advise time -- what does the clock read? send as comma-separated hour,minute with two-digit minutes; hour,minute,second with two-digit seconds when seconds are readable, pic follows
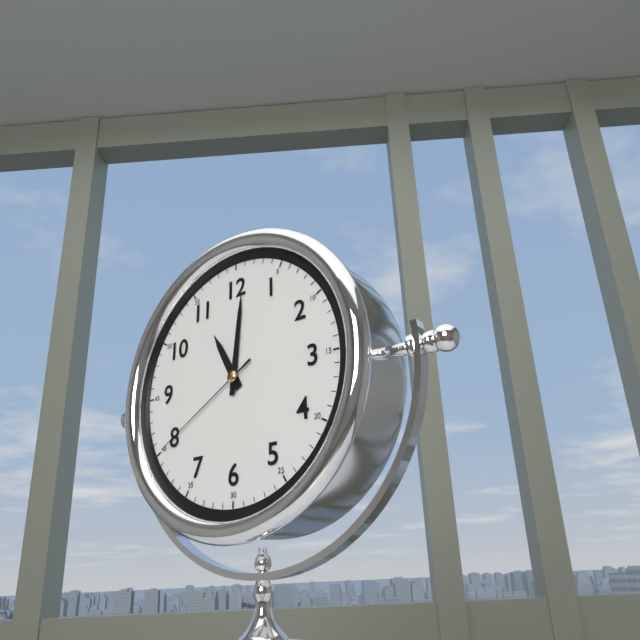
11,01,40
